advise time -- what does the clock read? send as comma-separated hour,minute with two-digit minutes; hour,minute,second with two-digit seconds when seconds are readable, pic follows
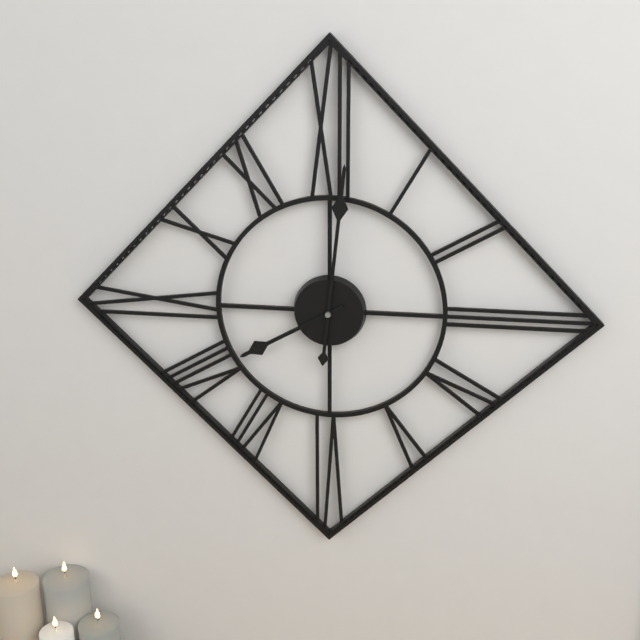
8,01
